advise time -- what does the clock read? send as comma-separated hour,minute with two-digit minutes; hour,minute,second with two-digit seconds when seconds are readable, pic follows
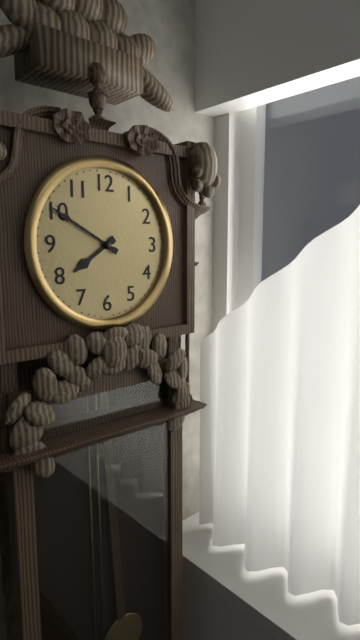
7,50
